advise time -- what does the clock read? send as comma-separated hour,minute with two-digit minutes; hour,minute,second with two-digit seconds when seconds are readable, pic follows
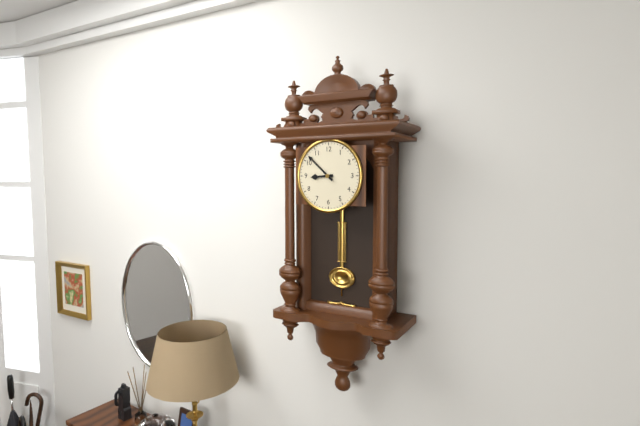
8,52
